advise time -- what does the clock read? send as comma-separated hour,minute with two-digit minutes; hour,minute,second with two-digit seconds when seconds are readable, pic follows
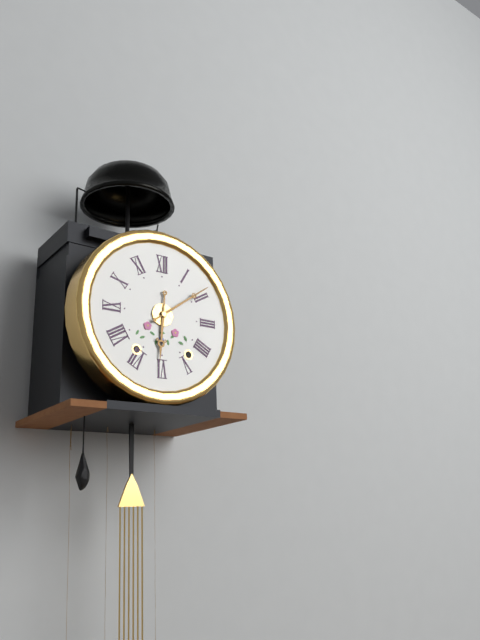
6,09
